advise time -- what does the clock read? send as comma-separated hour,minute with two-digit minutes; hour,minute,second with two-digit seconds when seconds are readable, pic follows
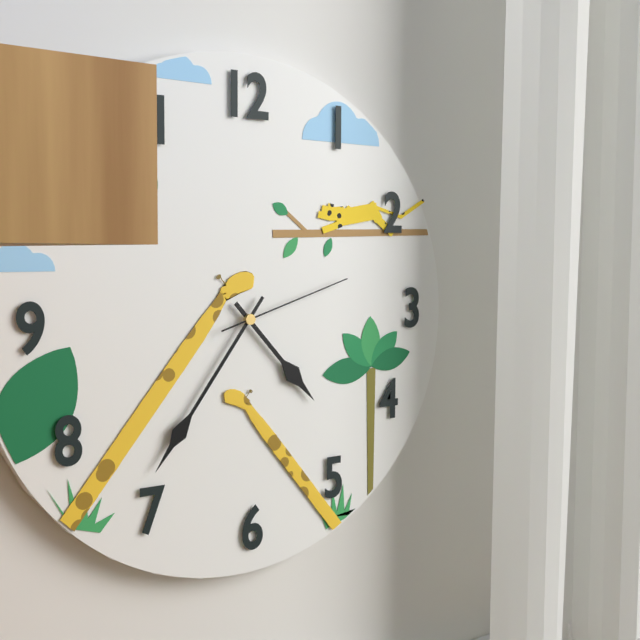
4,36,12
